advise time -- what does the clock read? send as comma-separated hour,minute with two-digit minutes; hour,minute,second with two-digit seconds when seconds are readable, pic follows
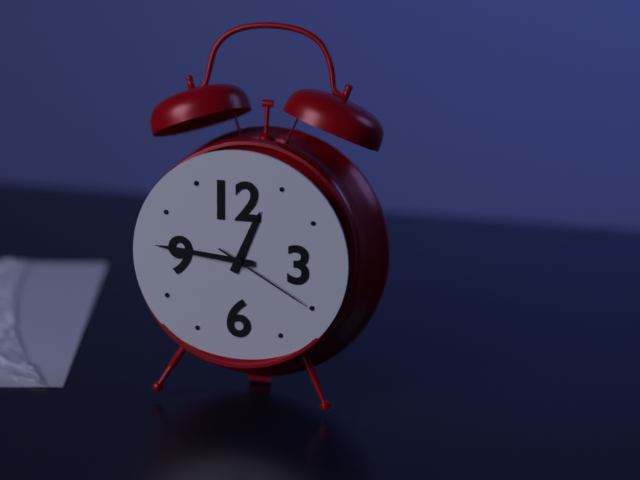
12,46,20
